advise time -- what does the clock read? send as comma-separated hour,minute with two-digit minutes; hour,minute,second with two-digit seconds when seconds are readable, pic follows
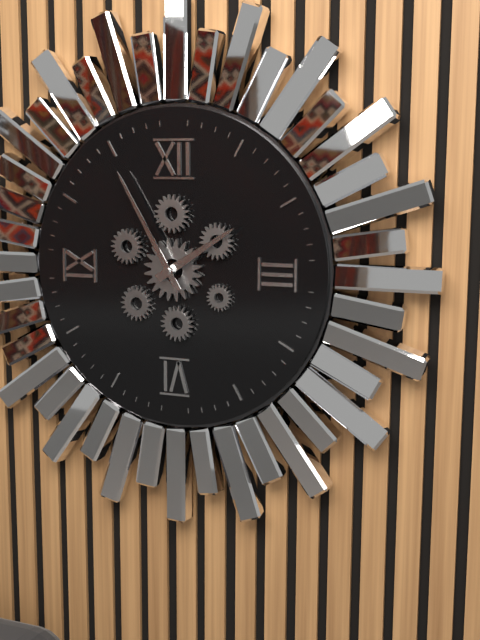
1,55
